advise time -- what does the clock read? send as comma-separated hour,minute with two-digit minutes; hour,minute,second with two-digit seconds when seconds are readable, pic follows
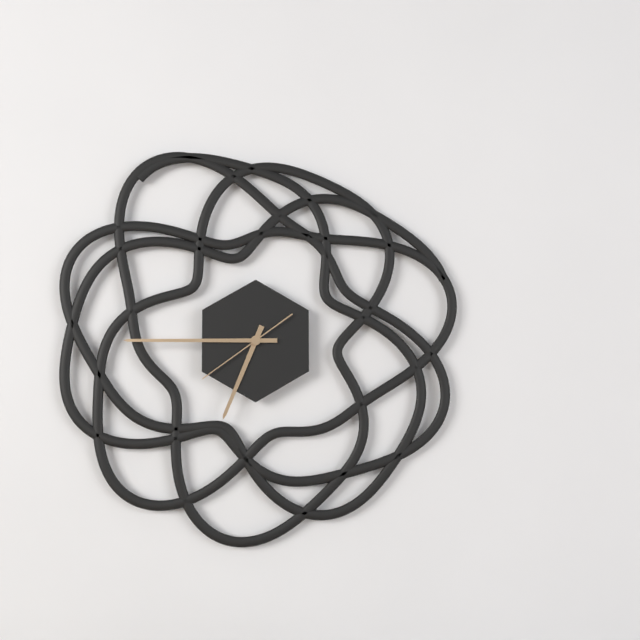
6,45,39
